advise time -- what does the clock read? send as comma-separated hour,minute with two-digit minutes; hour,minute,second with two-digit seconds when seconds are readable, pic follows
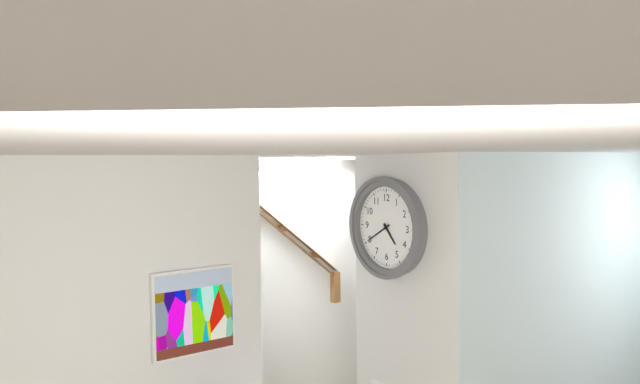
4,40
